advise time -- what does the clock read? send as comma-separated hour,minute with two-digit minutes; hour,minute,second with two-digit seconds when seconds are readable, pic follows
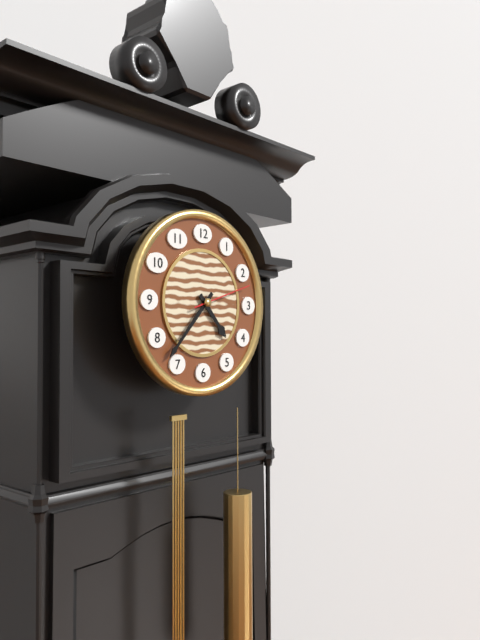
4,37,12
